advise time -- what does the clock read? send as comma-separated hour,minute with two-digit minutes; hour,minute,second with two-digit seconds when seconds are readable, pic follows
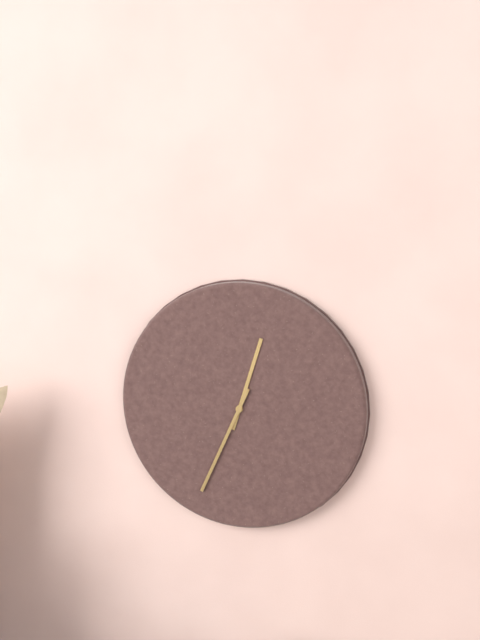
12,34
